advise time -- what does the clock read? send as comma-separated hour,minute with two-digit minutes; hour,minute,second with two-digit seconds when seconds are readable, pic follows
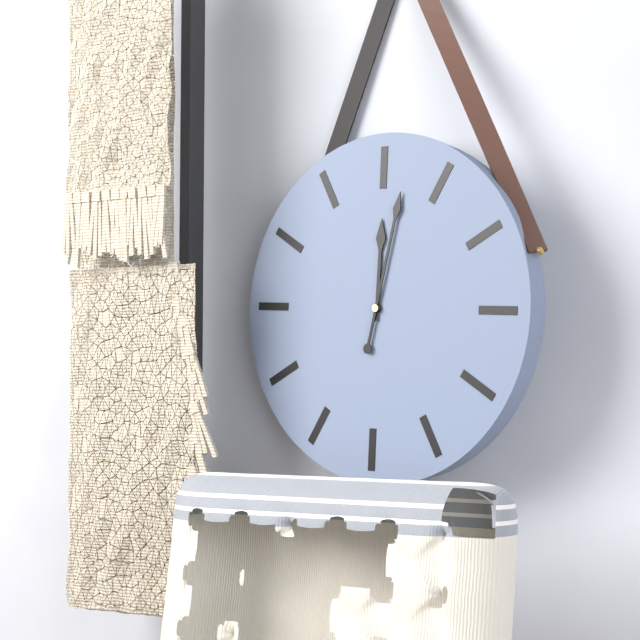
12,02
